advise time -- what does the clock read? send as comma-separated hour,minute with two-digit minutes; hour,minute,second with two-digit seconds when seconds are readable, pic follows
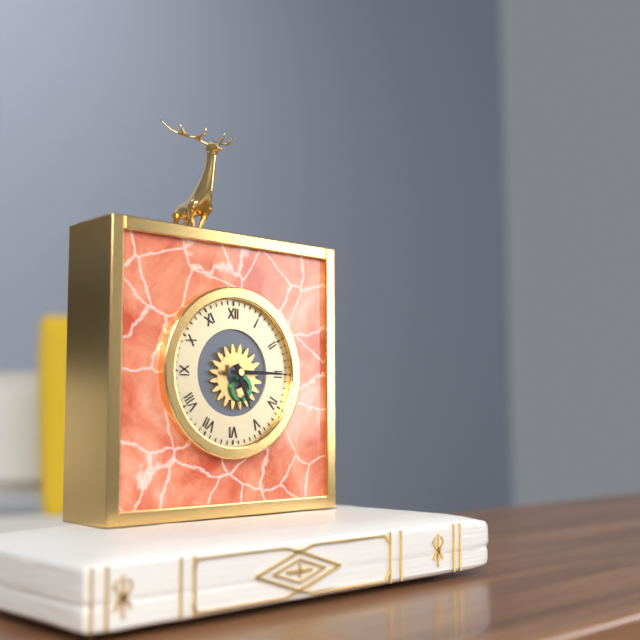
5,15
